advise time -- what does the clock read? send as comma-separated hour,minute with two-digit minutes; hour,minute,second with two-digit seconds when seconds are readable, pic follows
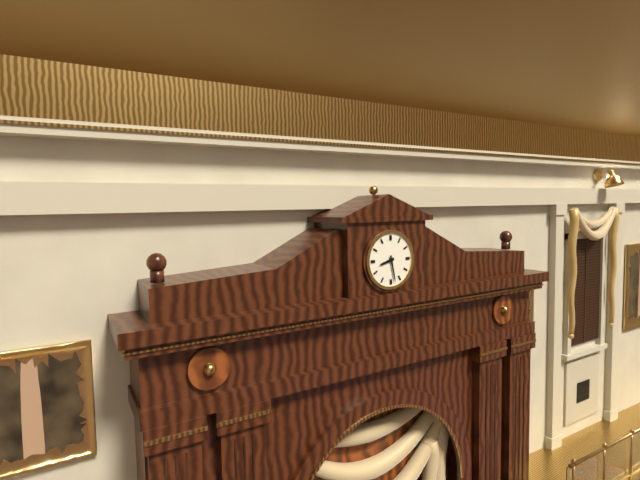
8,28
